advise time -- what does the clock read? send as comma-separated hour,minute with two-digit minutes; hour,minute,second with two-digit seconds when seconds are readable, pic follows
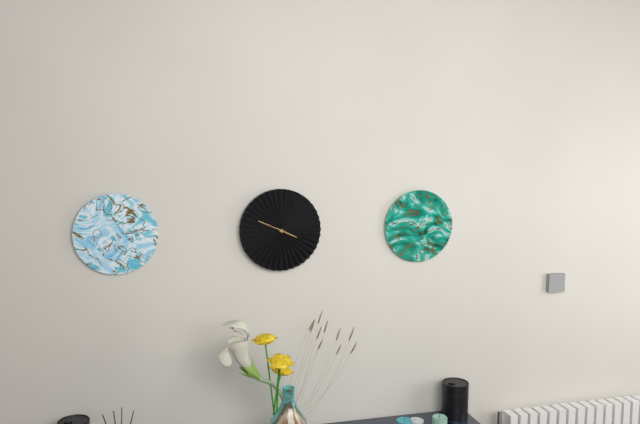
3,49
